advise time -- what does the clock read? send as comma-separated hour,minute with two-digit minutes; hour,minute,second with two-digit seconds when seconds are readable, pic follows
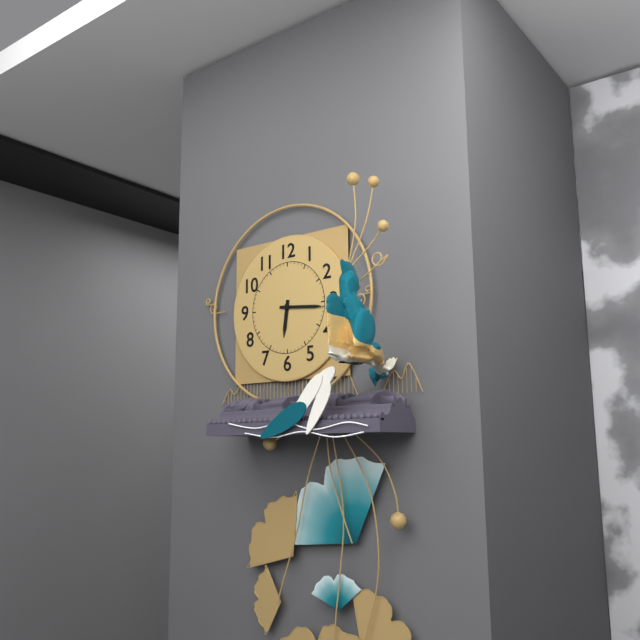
6,16
